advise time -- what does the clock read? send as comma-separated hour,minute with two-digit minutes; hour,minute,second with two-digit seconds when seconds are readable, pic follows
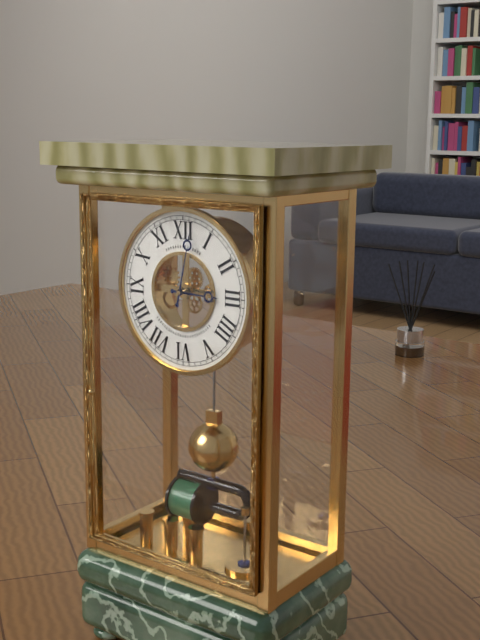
3,02
